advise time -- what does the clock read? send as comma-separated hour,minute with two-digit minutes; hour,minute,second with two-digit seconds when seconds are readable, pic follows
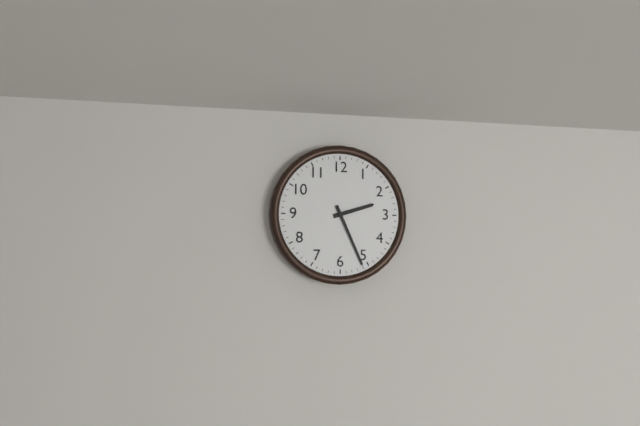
2,26
